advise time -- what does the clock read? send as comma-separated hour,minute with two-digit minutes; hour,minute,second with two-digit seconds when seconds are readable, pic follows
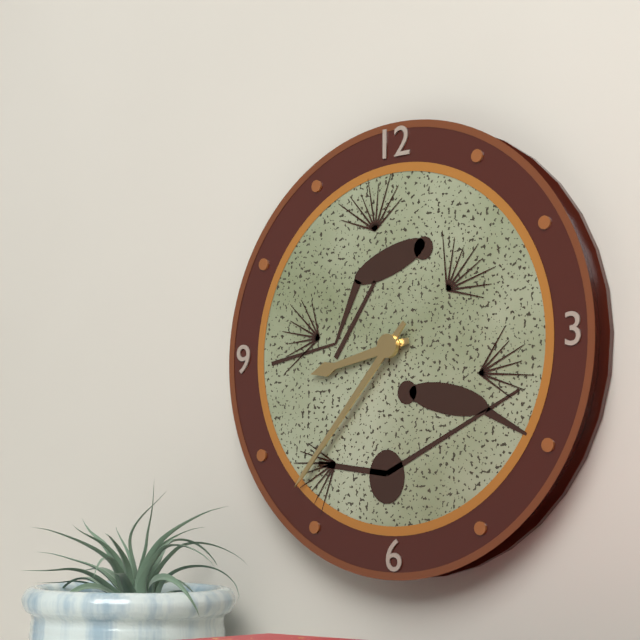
8,37
